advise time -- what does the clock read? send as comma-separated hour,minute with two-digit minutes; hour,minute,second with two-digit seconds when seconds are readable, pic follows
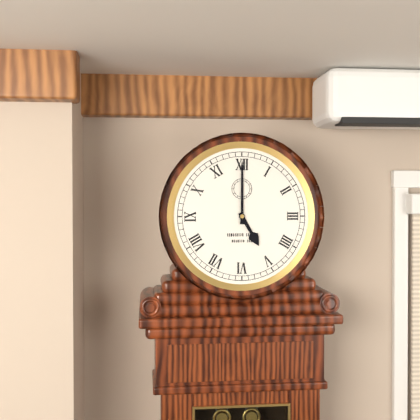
5,00
